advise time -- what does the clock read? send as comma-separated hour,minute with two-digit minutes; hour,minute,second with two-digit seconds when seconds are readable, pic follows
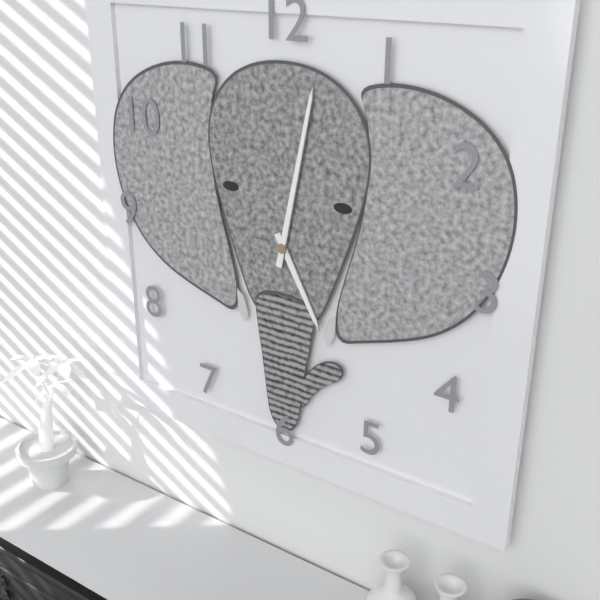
5,02
